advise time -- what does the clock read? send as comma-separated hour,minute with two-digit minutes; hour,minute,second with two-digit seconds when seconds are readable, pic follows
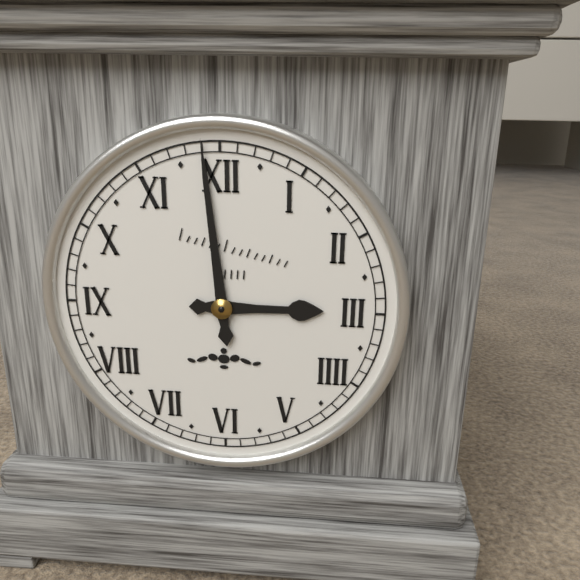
2,59
